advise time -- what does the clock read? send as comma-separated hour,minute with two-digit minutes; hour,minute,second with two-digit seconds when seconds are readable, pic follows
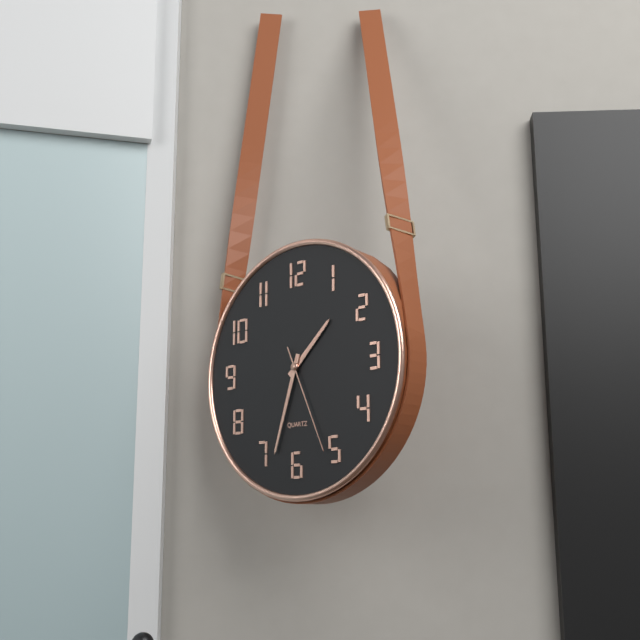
1,33,26
